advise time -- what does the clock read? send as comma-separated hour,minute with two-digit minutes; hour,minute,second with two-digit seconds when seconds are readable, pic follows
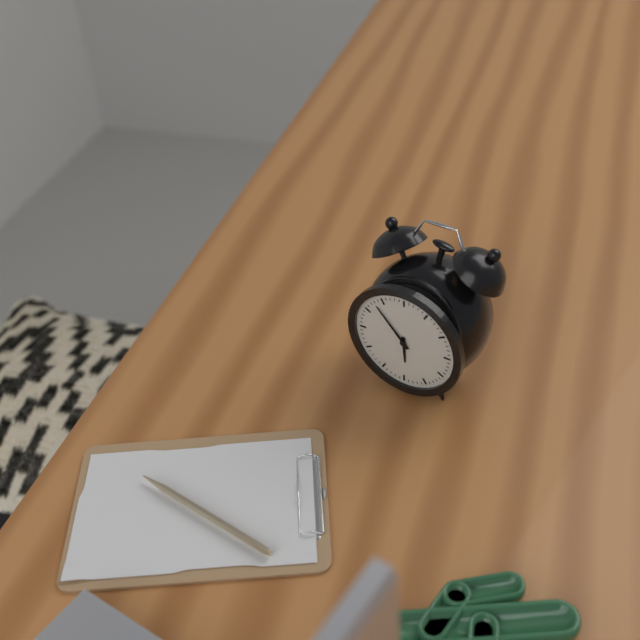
5,53
